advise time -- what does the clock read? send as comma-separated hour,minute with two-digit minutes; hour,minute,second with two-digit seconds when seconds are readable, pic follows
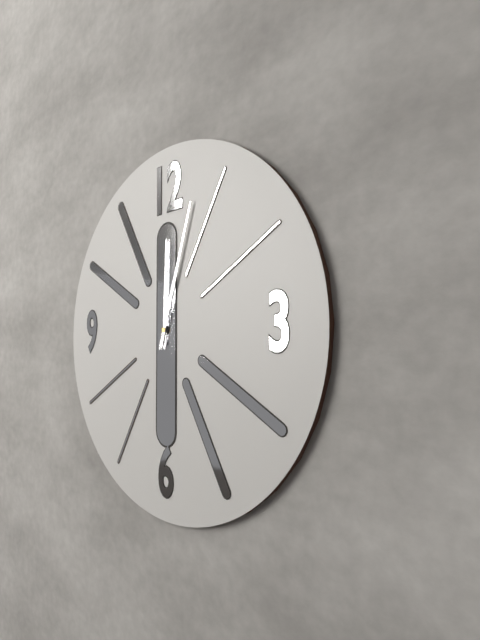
12,03
